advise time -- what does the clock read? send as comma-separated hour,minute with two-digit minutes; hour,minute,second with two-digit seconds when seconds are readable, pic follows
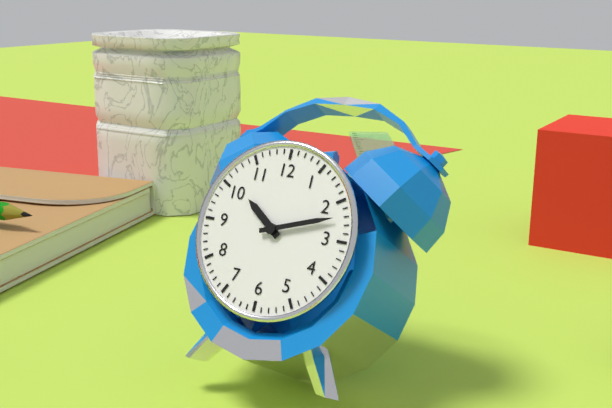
10,12
